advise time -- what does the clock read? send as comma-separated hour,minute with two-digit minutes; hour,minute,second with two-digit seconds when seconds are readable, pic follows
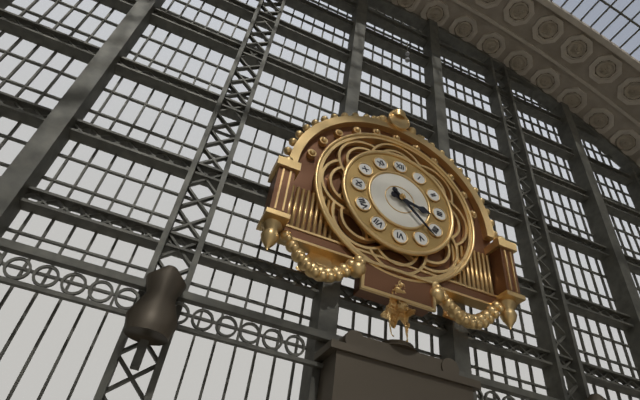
3,22
